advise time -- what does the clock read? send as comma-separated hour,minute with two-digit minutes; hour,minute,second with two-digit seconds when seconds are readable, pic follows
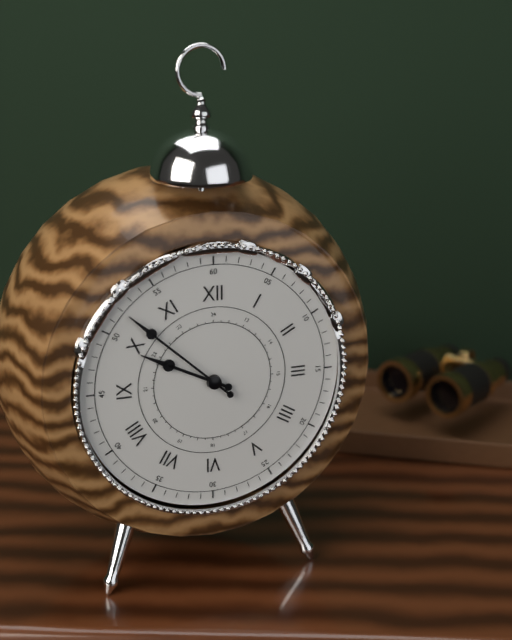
9,52
